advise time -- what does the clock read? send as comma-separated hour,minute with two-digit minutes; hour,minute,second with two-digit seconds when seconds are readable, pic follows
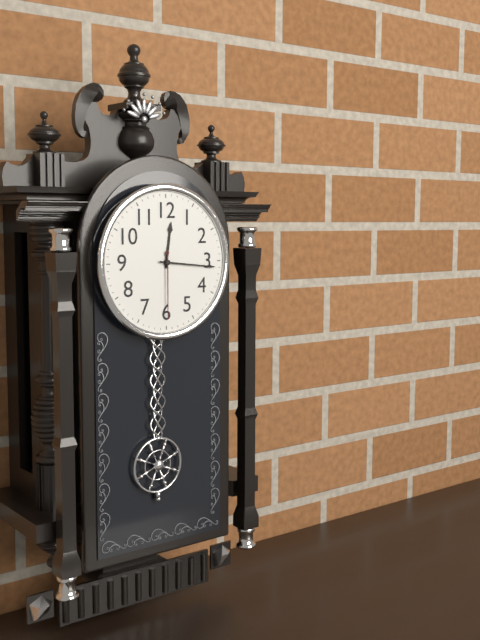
12,16,30
